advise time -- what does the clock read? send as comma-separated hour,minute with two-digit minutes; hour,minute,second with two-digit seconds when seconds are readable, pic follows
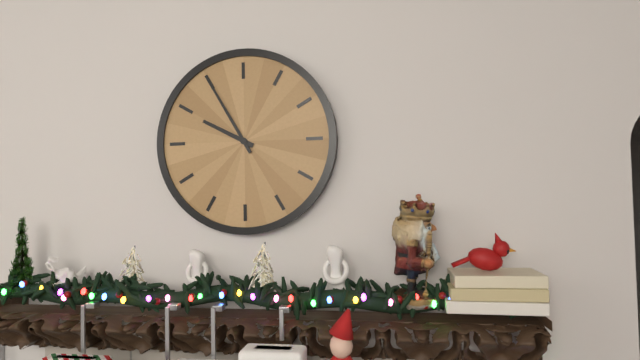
9,55
